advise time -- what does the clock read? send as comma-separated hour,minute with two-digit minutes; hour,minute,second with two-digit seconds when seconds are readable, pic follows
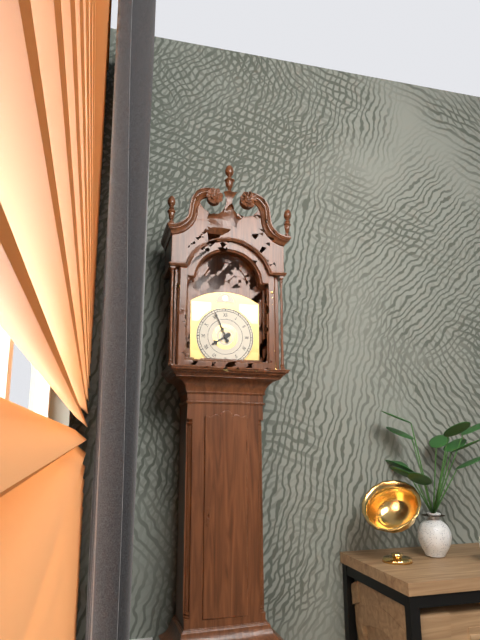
7,56
